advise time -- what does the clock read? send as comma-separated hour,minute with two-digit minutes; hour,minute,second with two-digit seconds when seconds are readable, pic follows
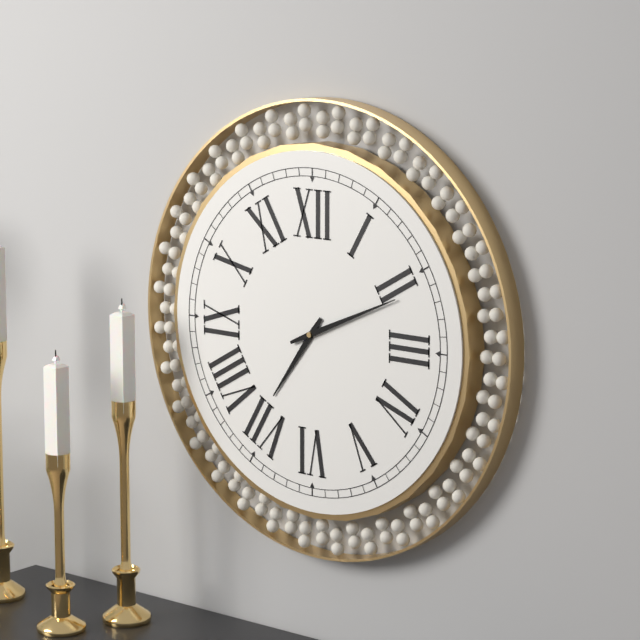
7,11
